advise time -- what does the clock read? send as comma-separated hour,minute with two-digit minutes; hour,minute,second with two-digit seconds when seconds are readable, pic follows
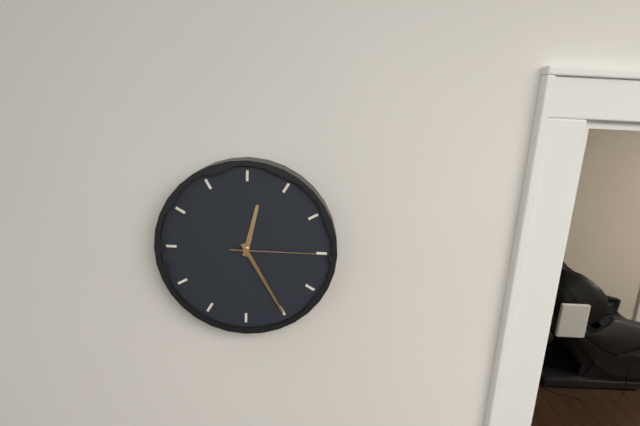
12,25,15
